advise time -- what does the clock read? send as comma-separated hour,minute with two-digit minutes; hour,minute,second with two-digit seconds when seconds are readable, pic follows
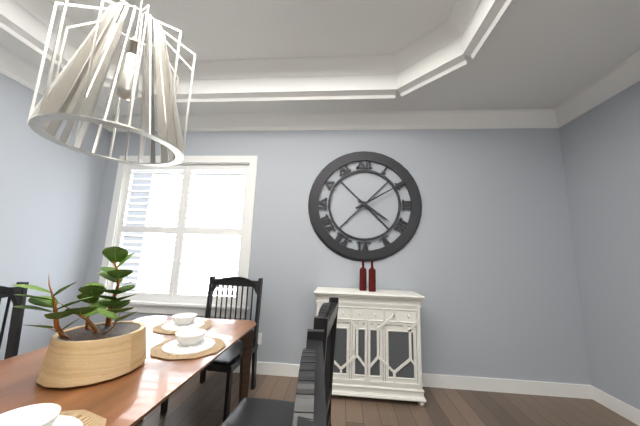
4,10
